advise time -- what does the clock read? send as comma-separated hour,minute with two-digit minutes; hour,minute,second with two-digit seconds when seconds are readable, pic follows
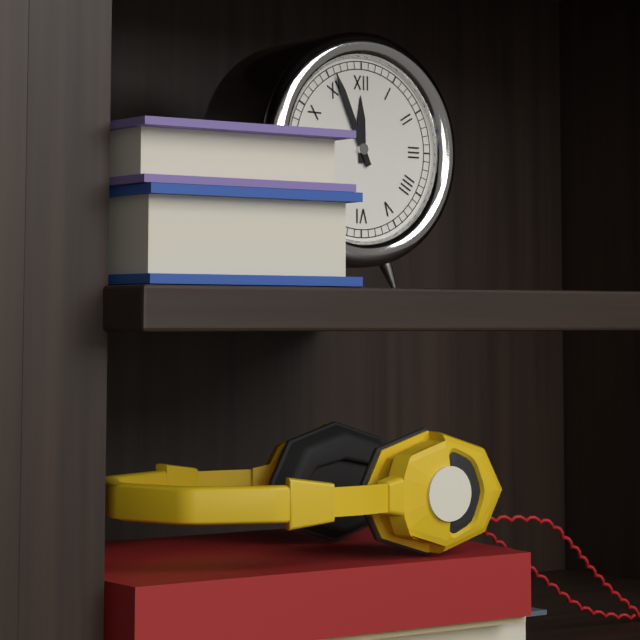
11,56
